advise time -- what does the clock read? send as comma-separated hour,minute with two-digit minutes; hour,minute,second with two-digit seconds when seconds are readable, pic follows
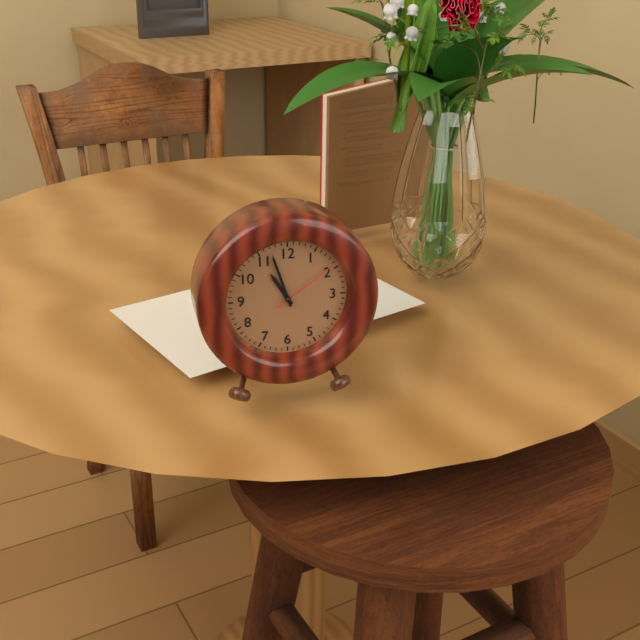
10,57,09
